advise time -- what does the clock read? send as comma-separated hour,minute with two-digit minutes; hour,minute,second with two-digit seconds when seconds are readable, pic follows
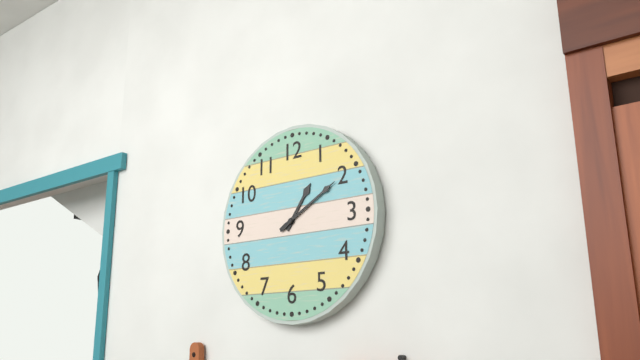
1,10
